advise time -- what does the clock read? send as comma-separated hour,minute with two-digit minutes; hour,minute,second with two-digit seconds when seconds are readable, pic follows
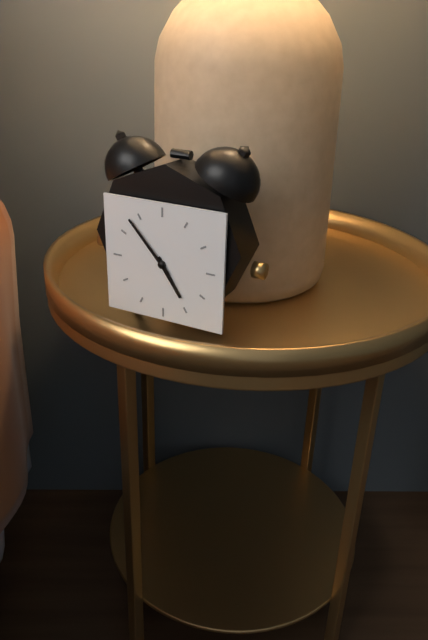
4,53
